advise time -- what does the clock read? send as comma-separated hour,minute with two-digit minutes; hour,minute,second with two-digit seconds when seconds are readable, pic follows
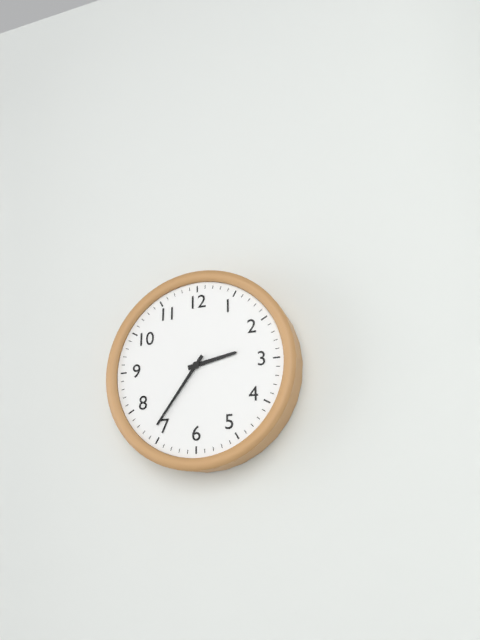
2,36
